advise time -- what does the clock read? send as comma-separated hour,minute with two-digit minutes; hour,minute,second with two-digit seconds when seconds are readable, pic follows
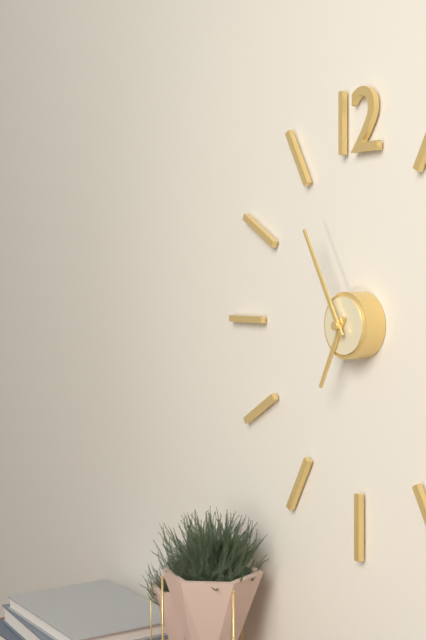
6,55
